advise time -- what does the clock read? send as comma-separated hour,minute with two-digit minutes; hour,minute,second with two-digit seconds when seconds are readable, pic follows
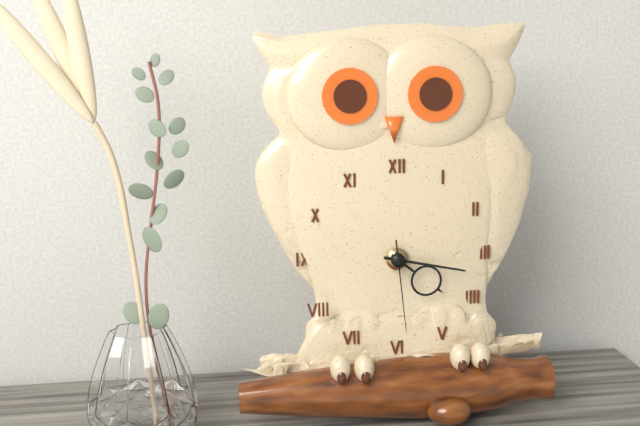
4,17,29
